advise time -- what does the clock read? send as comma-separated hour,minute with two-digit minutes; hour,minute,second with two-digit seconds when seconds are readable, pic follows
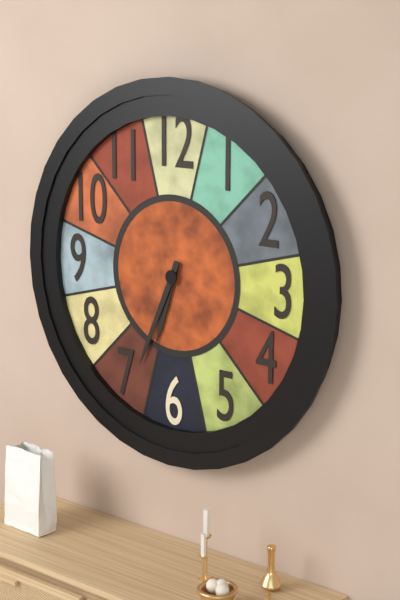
6,34
